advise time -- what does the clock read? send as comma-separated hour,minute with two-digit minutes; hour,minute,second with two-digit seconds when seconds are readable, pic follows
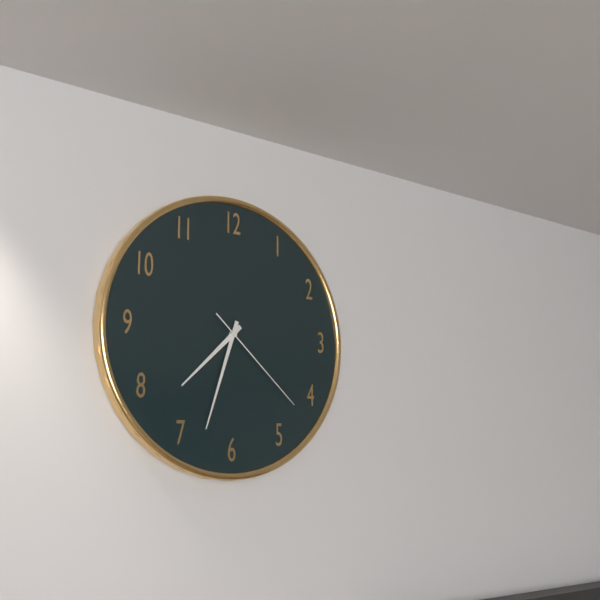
7,33,22
